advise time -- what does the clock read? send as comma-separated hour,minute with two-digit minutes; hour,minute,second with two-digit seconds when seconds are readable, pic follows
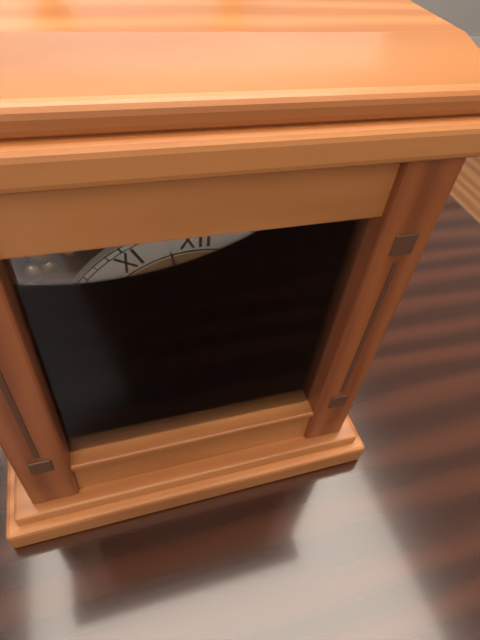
11,58
